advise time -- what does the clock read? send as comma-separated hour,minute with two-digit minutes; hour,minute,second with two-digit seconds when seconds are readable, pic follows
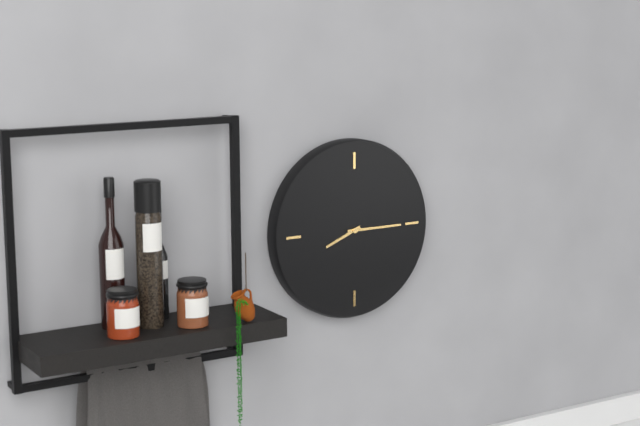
8,15
